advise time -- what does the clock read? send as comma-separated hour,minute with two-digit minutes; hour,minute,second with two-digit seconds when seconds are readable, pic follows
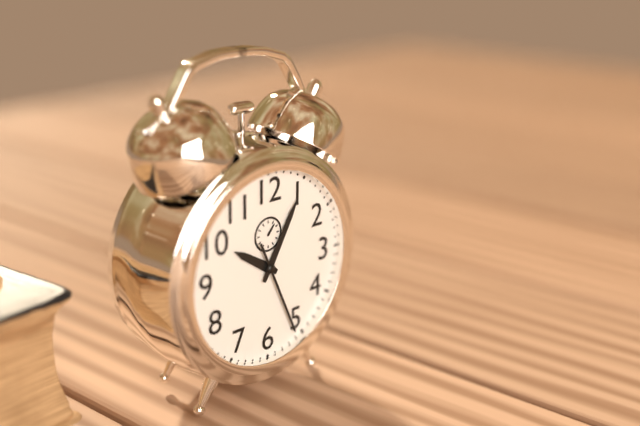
10,05,26
